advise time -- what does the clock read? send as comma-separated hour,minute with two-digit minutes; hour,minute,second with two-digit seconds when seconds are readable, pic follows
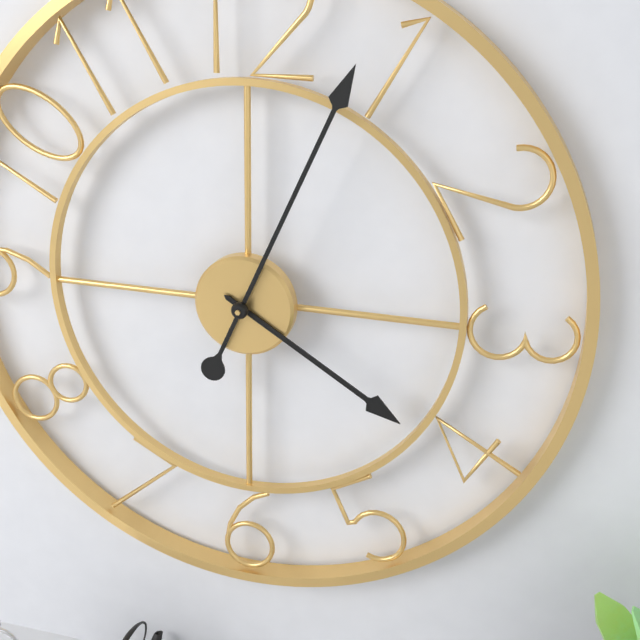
4,04
